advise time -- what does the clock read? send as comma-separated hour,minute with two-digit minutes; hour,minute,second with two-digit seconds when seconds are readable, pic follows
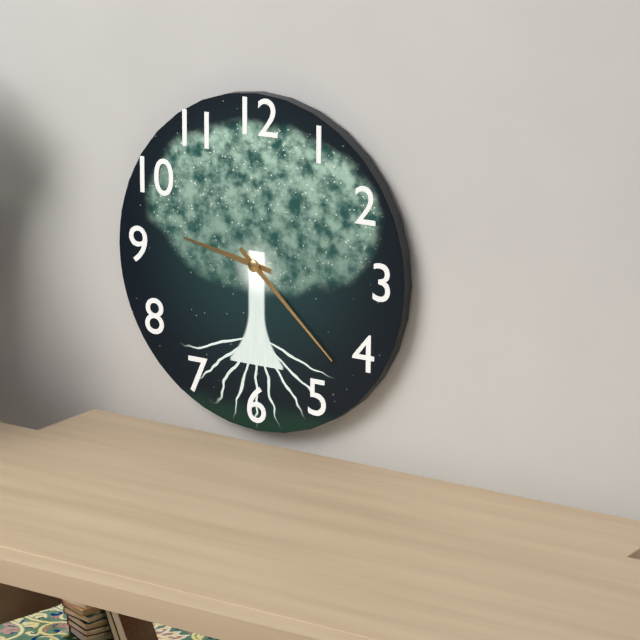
9,22
